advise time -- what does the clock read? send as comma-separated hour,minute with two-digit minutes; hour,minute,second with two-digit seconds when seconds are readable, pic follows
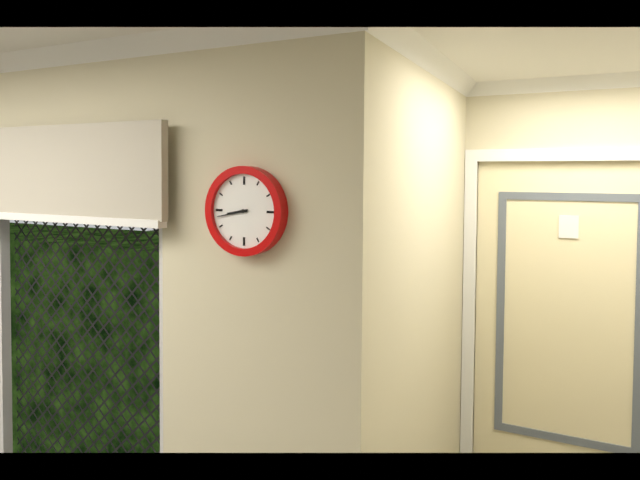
8,43
